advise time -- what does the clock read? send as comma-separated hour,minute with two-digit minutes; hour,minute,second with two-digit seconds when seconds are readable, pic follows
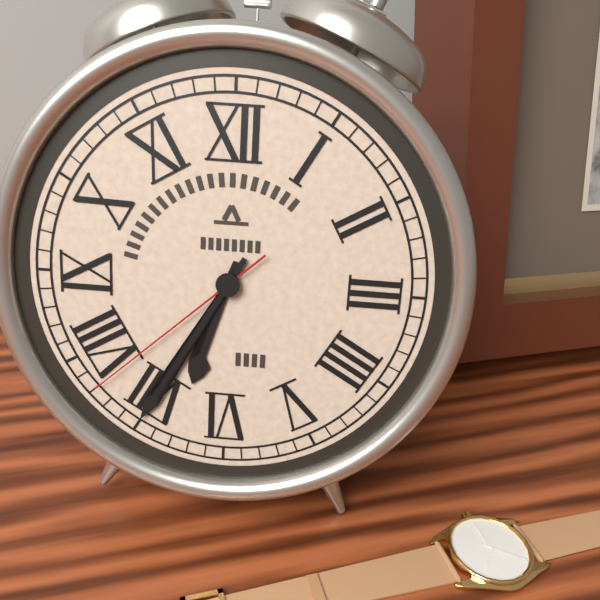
6,35,38
